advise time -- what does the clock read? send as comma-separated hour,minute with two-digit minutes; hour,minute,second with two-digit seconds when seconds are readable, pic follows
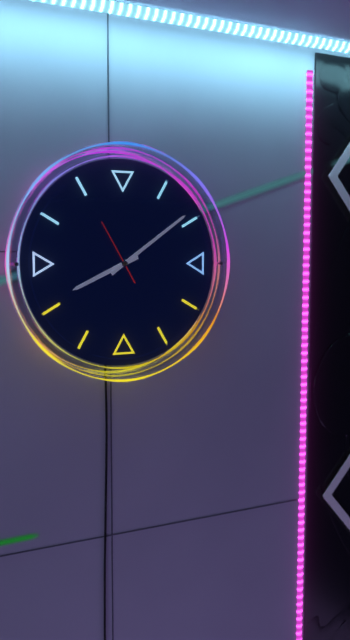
8,09,55
